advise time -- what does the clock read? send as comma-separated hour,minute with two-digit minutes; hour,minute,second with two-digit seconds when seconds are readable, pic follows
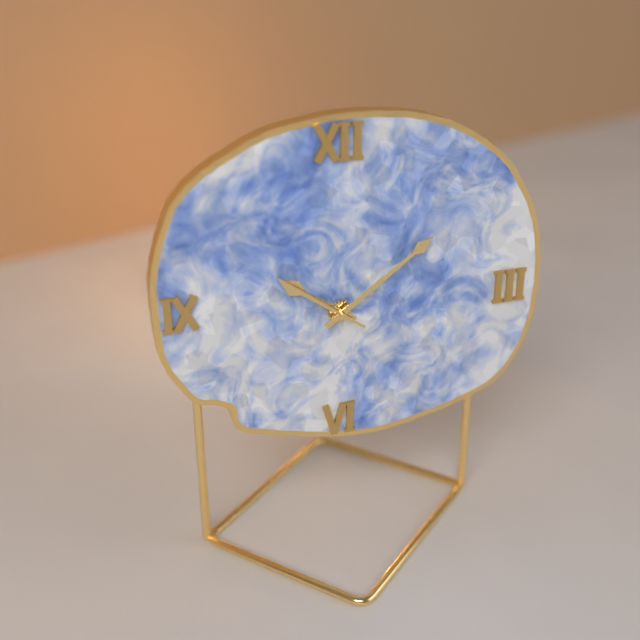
10,09,51
